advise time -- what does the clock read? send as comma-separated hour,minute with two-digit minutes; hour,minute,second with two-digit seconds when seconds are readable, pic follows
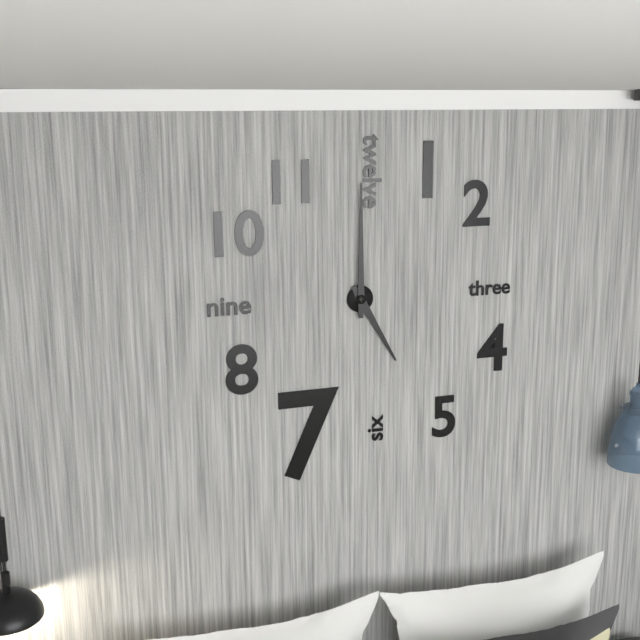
5,00
